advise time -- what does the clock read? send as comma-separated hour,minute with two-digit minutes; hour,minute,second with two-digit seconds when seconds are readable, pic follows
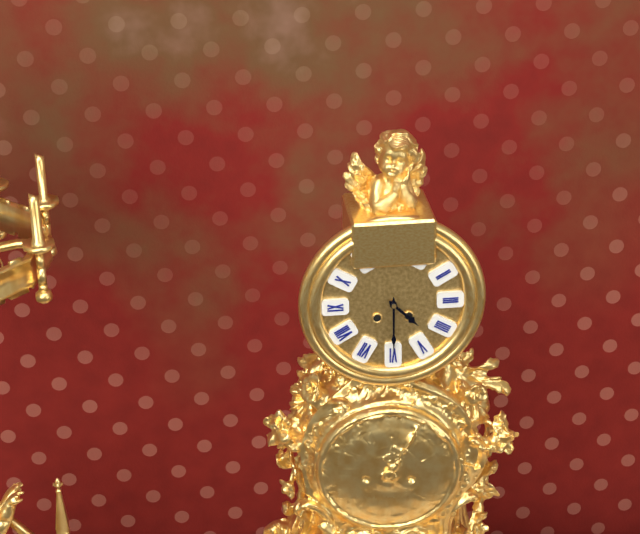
4,30
